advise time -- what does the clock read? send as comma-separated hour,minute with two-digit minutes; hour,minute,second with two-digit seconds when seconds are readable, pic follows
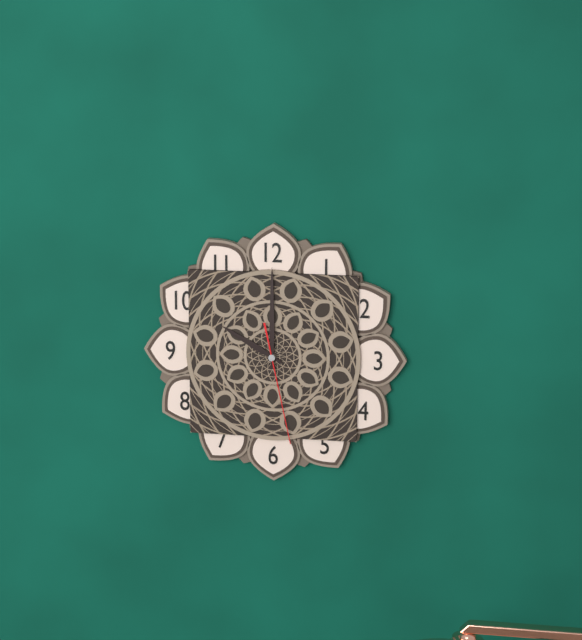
10,00,28
